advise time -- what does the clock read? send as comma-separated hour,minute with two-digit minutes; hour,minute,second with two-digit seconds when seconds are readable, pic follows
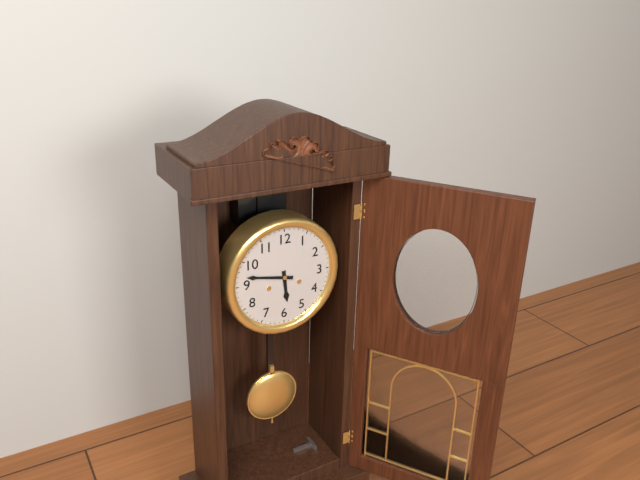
5,47
